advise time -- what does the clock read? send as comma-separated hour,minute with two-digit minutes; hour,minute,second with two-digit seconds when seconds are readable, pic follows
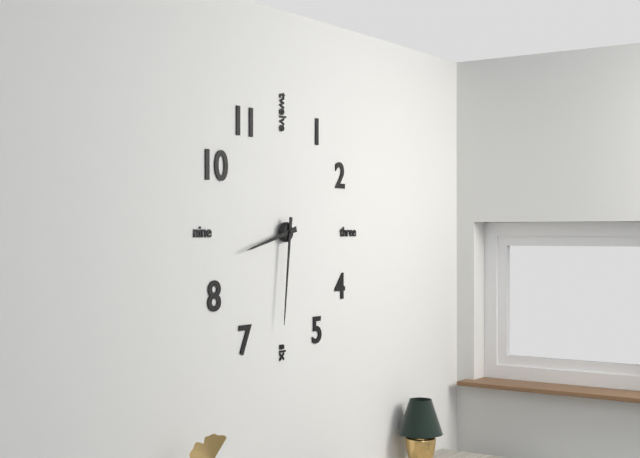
8,31
